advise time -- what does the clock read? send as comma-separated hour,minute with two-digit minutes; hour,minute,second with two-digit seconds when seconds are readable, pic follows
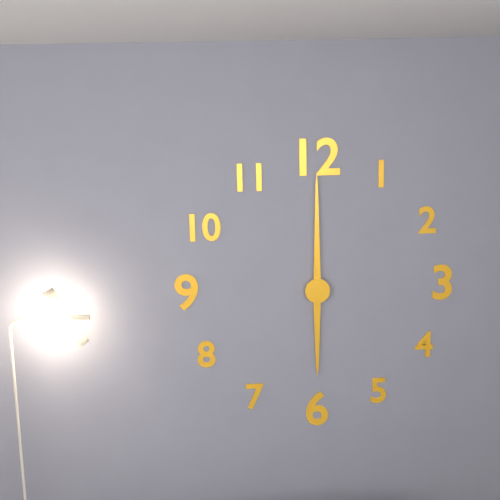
6,00
